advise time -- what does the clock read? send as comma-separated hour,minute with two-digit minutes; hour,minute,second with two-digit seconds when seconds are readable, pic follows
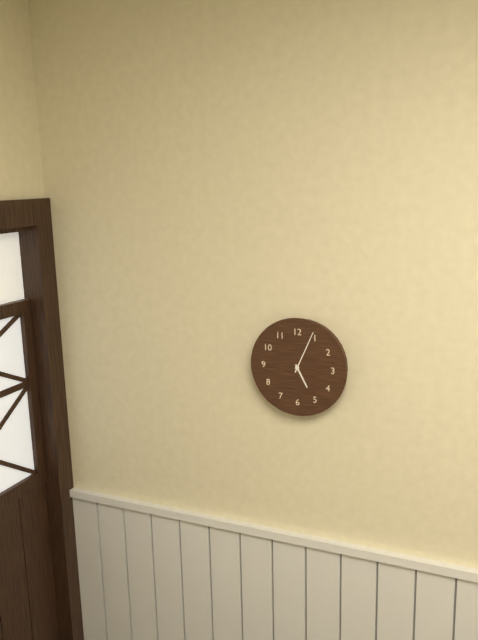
5,04
